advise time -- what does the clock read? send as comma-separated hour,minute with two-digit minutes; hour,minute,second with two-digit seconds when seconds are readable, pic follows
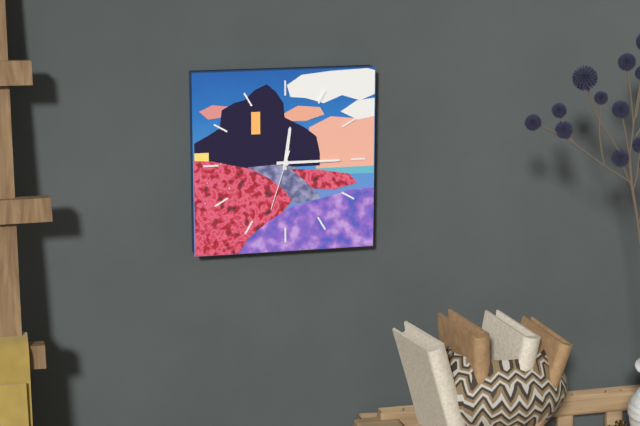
12,15,33
